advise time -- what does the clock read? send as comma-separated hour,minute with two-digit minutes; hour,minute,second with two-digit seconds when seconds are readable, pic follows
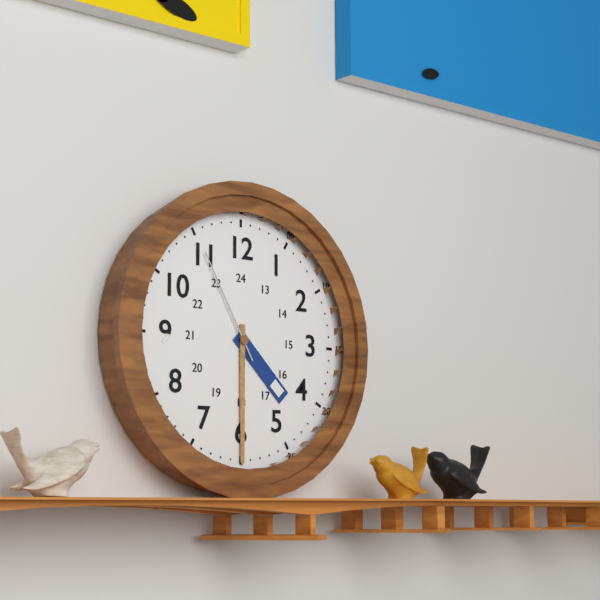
4,30,55
